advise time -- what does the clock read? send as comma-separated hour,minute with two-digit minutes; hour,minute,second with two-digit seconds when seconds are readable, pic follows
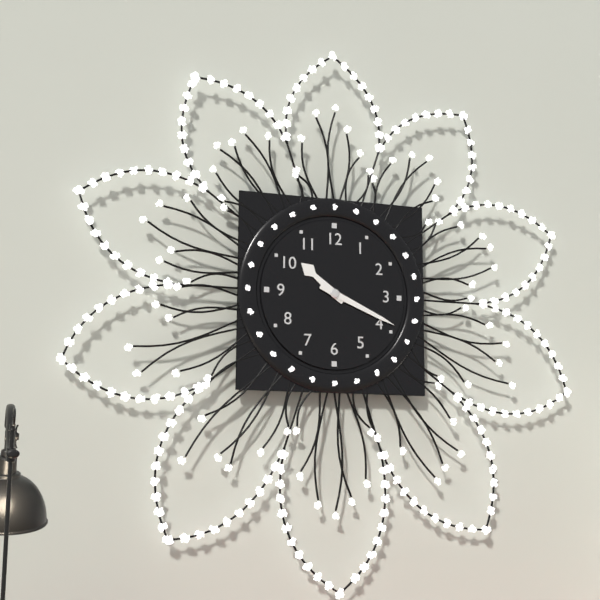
10,19
